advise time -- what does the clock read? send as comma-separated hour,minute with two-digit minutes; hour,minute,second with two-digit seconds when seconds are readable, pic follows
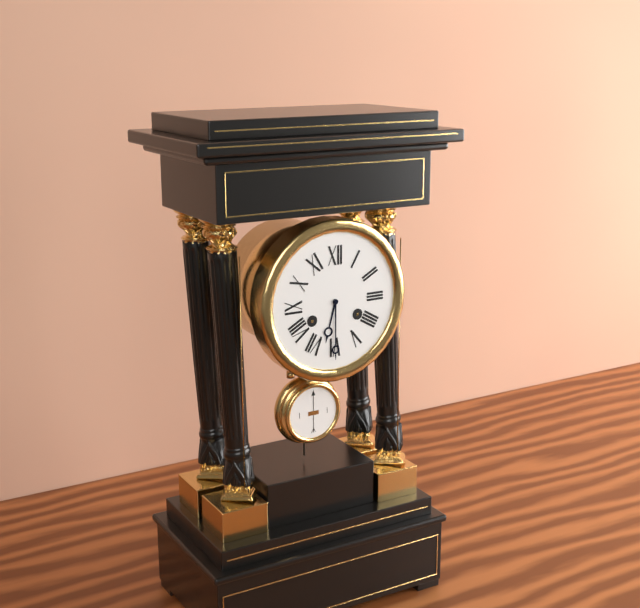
6,30
